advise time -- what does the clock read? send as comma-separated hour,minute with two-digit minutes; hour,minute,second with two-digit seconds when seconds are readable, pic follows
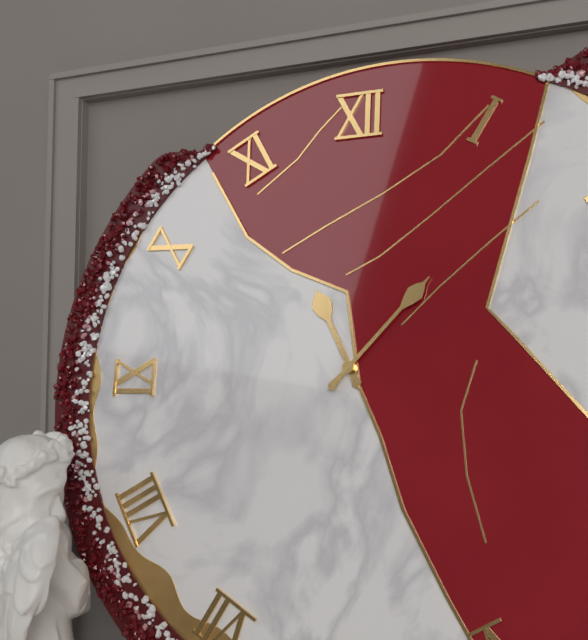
11,07
